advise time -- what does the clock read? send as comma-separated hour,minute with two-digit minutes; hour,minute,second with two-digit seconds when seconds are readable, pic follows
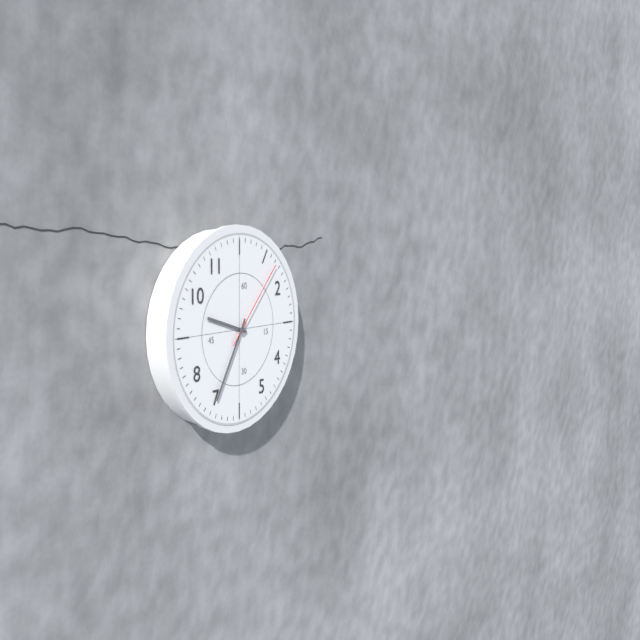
9,35,07
